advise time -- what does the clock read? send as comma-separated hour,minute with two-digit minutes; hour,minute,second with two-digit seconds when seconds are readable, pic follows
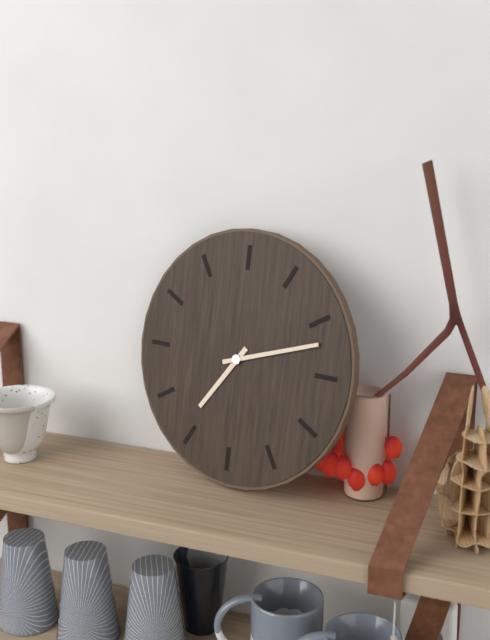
7,12
